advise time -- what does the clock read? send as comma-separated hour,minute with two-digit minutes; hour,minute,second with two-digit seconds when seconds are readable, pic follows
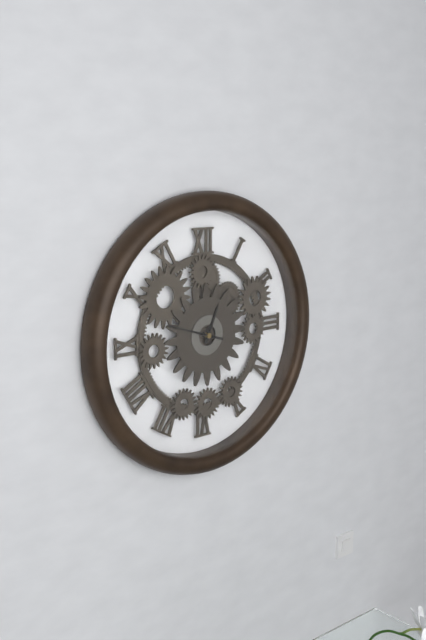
12,48
